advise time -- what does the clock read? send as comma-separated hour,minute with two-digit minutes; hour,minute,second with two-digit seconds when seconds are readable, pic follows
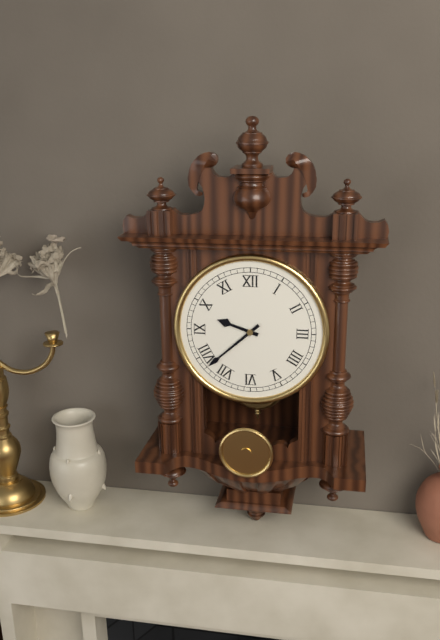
9,38
